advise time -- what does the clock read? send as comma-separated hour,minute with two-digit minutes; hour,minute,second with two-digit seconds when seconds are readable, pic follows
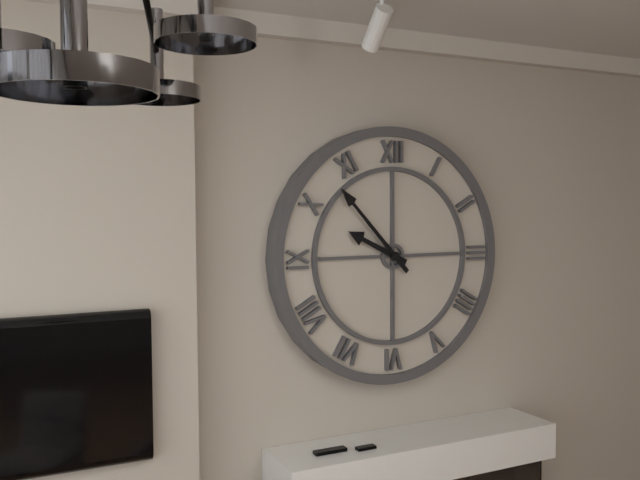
9,53
